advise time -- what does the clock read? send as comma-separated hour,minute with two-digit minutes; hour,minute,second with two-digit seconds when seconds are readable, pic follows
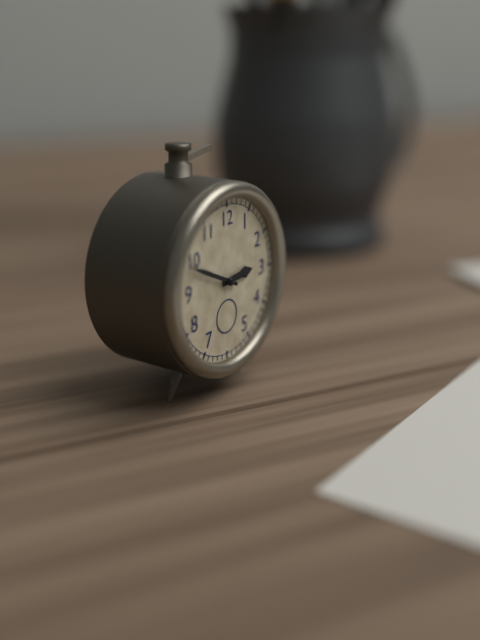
2,49
